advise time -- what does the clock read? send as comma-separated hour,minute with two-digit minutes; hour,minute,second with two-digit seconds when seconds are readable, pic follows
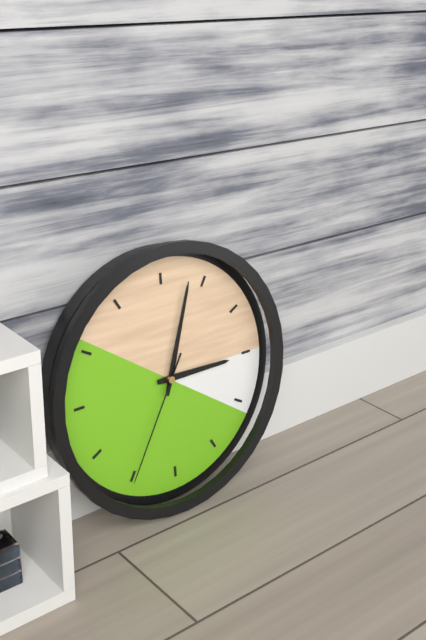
3,03,35
